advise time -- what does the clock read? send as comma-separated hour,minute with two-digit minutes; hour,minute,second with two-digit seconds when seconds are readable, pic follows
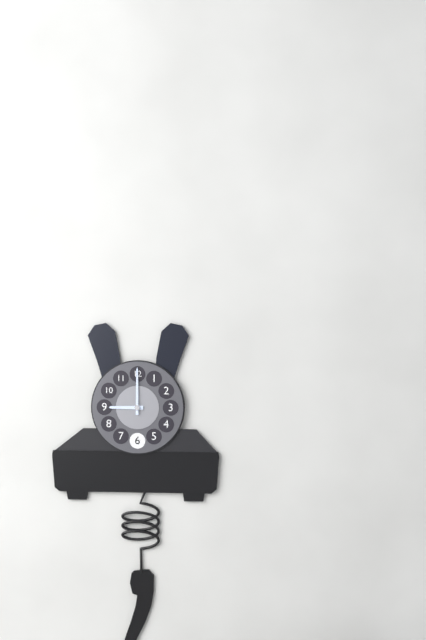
9,00
